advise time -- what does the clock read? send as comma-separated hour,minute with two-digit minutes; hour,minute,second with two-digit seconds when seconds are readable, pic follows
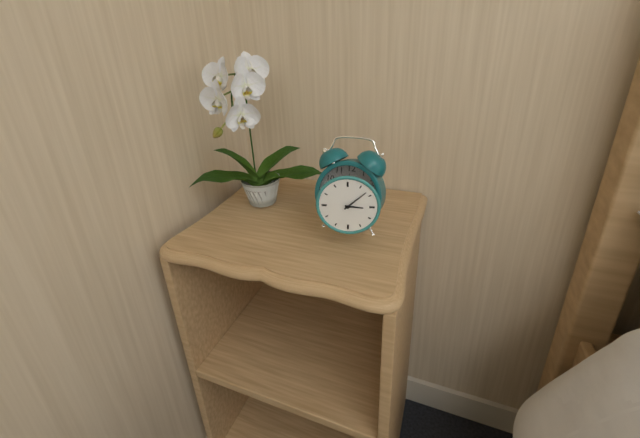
3,08
